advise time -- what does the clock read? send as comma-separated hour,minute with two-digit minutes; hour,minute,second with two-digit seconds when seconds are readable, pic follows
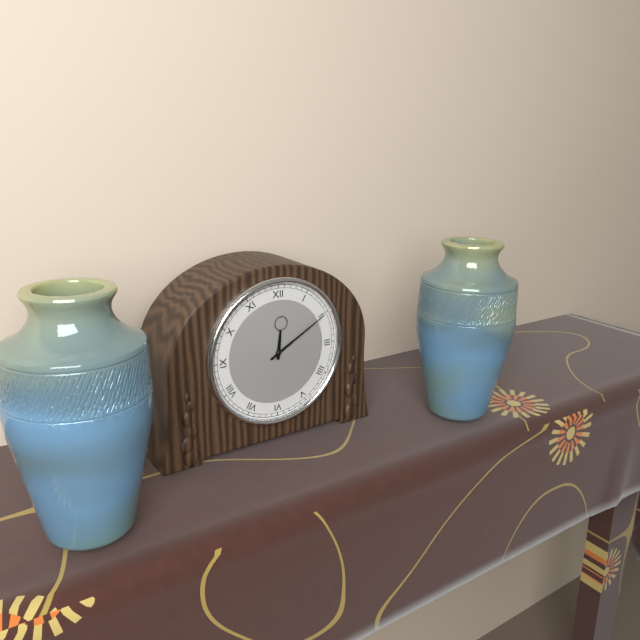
12,10
